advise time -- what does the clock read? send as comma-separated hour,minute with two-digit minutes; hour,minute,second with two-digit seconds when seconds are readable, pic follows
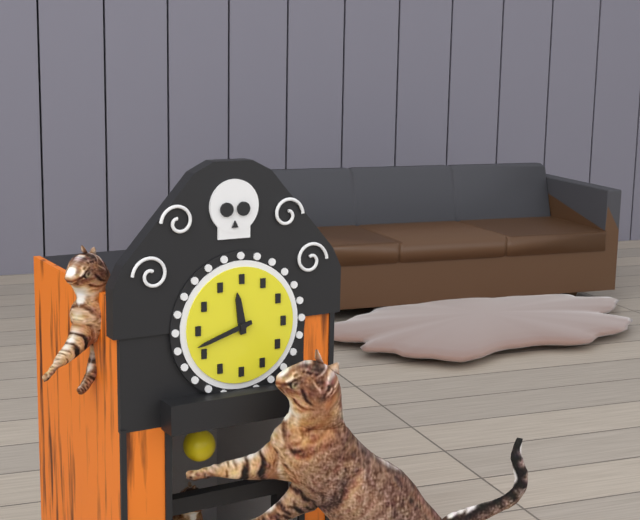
11,42
